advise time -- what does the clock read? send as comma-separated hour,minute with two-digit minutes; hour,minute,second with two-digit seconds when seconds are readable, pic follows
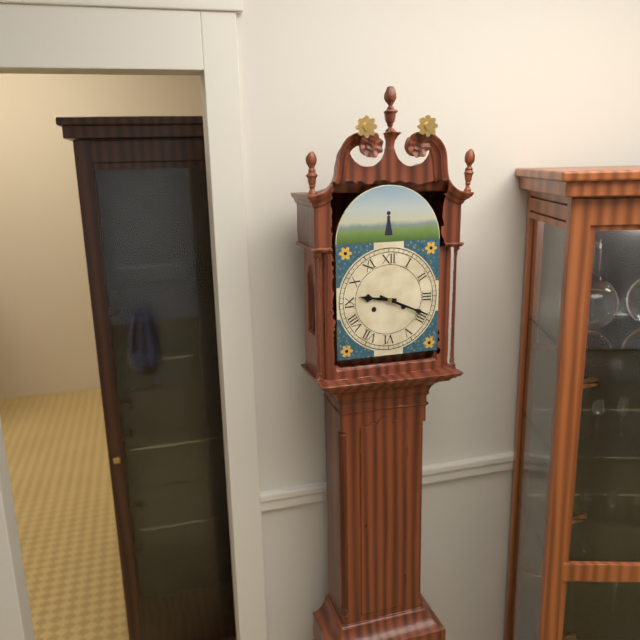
9,19
